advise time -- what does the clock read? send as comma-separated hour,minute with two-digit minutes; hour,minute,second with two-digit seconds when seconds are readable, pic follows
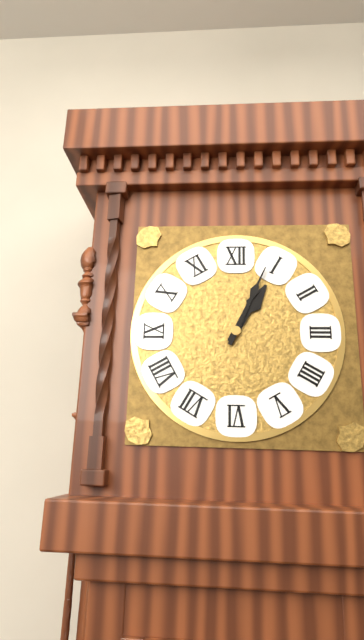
1,04
